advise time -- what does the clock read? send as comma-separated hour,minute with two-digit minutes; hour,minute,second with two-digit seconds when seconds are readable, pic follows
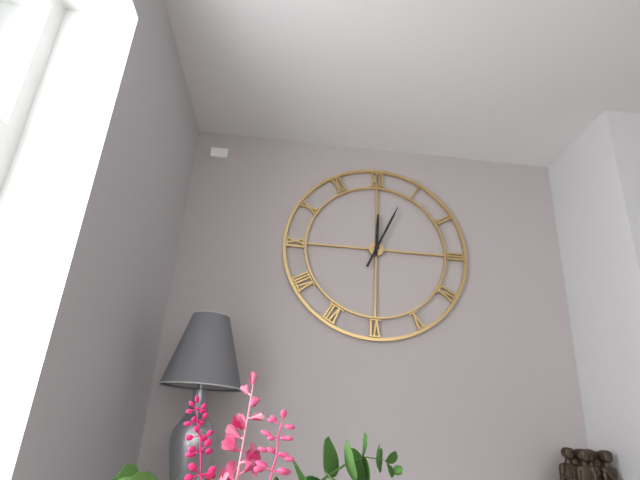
12,04
